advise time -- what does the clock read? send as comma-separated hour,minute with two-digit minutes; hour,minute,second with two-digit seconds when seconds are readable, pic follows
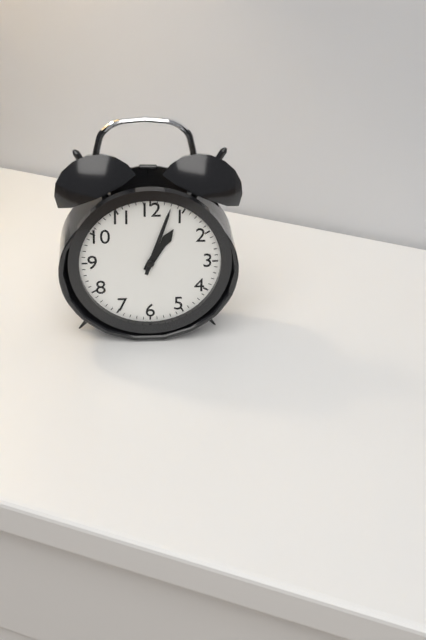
1,03
